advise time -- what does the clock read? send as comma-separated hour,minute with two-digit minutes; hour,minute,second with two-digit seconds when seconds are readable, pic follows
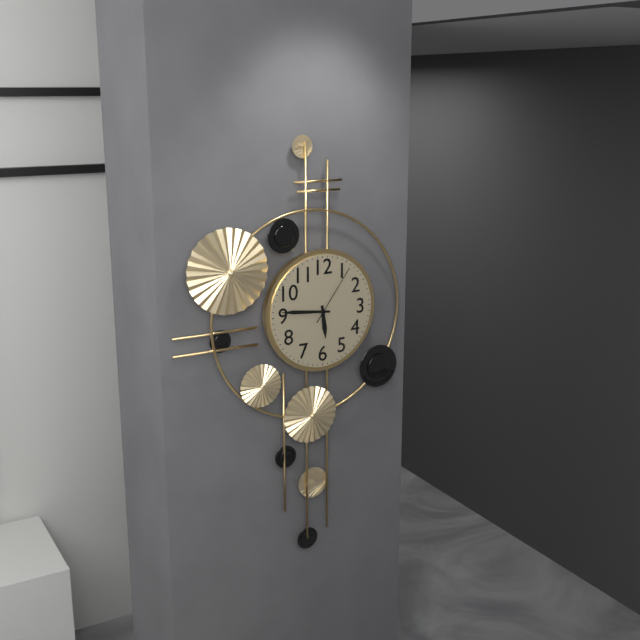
5,46,06
